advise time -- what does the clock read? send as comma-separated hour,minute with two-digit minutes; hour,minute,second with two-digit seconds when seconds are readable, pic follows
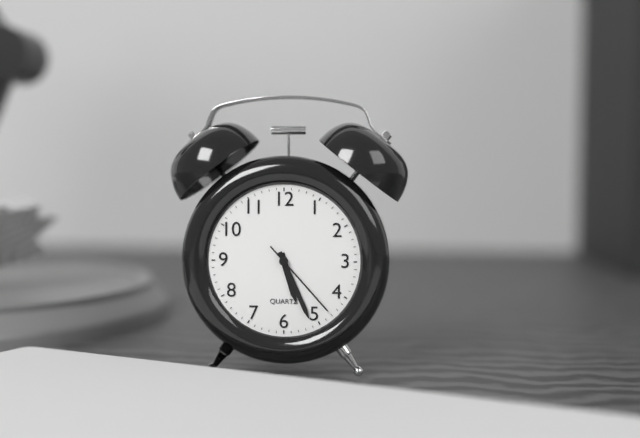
5,26,23
